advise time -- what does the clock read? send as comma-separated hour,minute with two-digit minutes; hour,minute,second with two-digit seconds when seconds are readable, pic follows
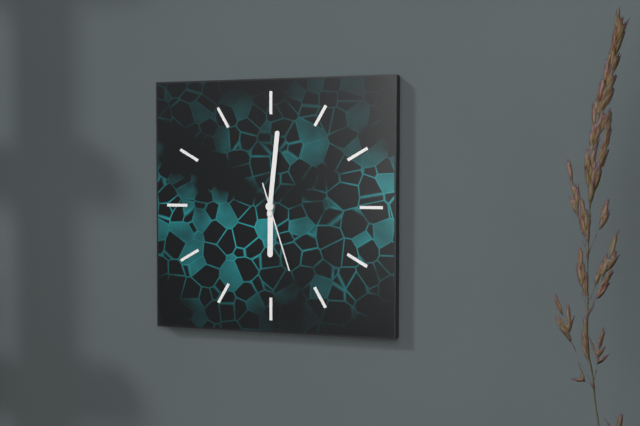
6,01,27
